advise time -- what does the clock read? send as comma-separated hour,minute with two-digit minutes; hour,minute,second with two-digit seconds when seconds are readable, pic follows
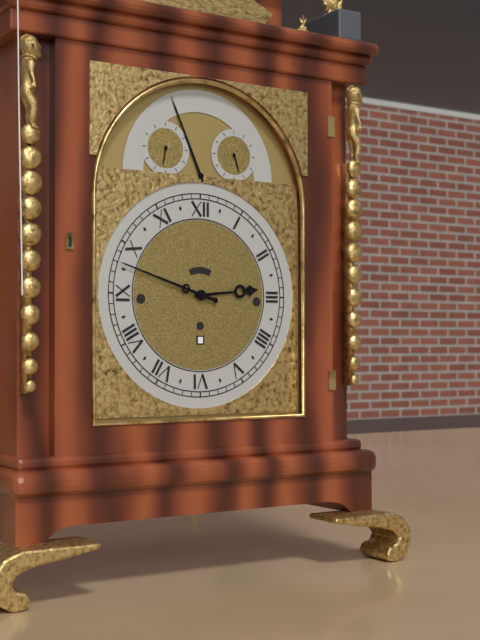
2,48
